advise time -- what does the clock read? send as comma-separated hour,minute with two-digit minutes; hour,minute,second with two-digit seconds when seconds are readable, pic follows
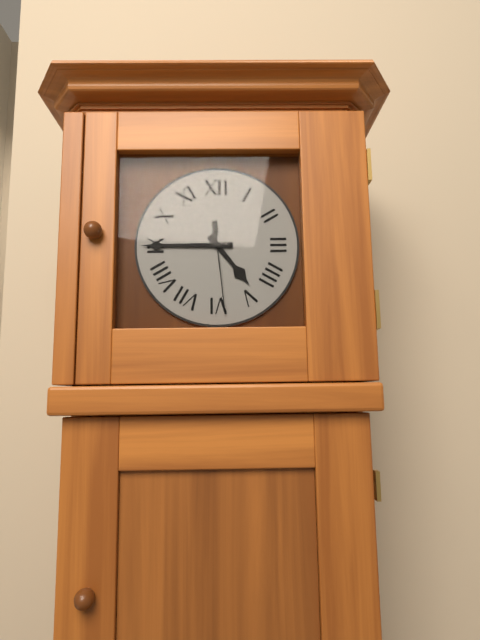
4,45,29
